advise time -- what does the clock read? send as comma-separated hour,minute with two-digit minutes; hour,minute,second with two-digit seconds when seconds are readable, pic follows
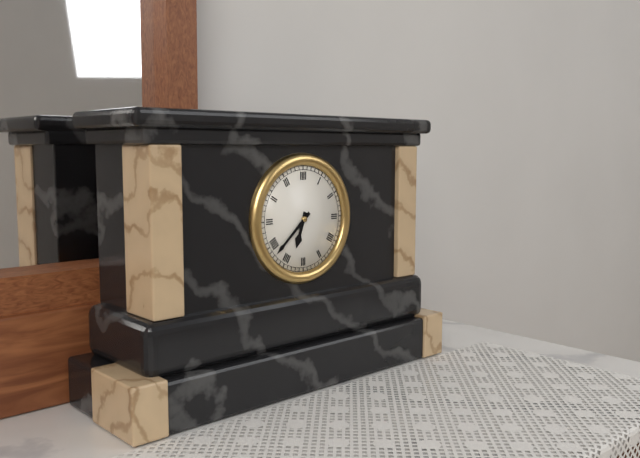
6,38
